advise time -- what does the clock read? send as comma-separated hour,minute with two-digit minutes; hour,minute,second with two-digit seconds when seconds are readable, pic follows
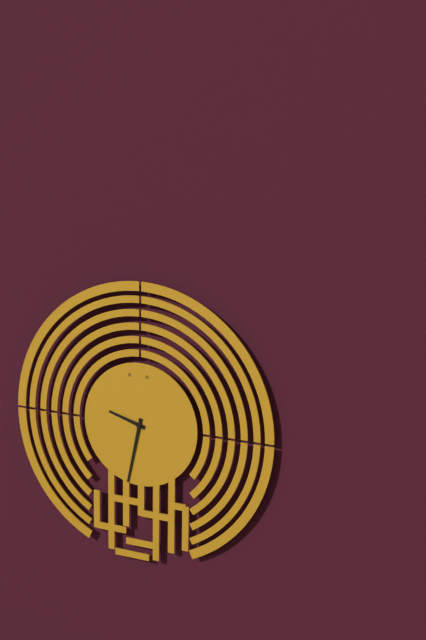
9,32
